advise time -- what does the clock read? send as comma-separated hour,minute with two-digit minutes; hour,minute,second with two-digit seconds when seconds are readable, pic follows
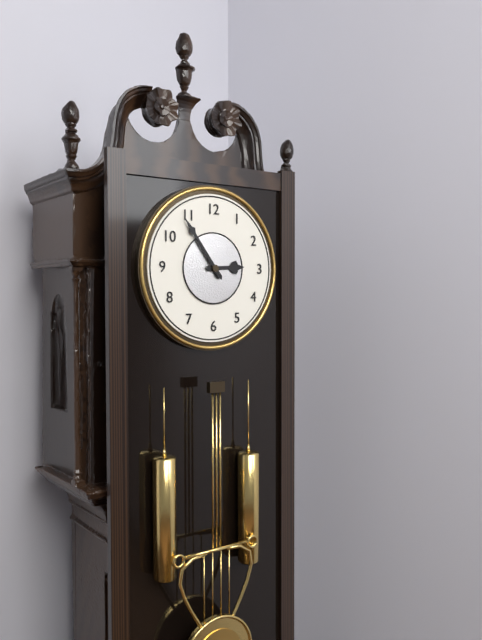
2,54
